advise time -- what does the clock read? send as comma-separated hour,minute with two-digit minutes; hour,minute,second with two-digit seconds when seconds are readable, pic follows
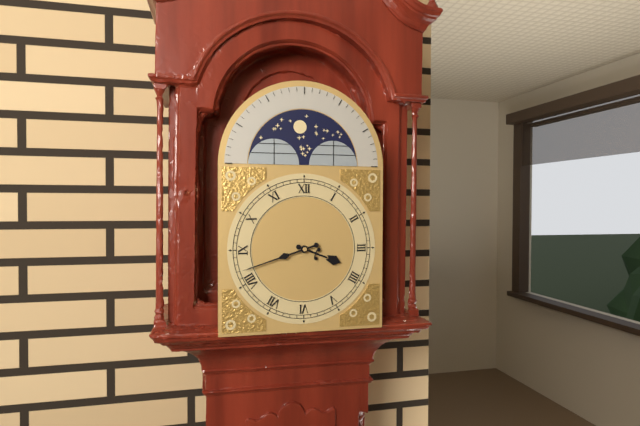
3,42
